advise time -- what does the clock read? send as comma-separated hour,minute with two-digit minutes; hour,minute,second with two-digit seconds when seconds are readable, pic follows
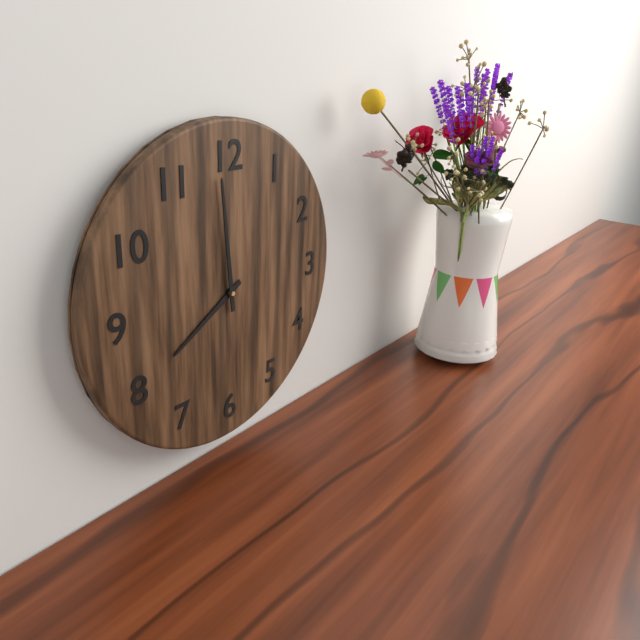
7,59
